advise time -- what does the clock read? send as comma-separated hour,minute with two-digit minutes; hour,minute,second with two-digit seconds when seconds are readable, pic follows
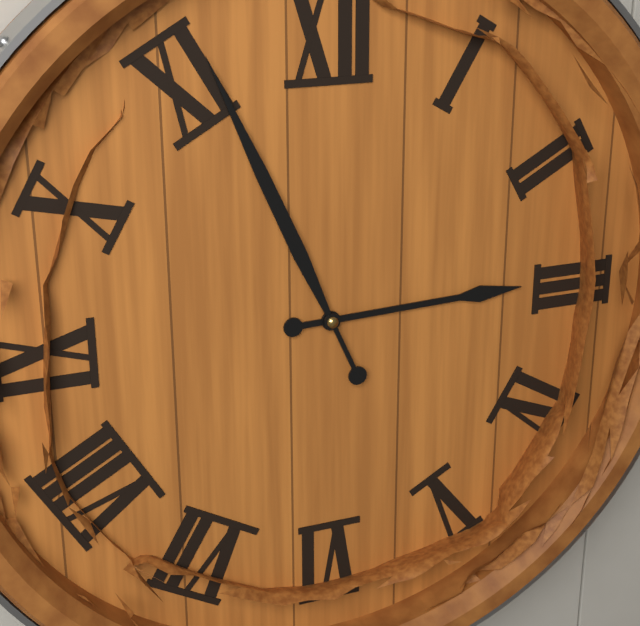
2,56
